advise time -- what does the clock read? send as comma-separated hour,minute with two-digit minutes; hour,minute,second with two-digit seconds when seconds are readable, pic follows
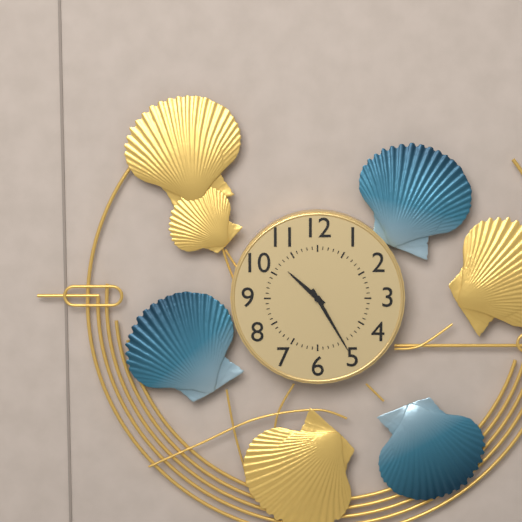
10,25
